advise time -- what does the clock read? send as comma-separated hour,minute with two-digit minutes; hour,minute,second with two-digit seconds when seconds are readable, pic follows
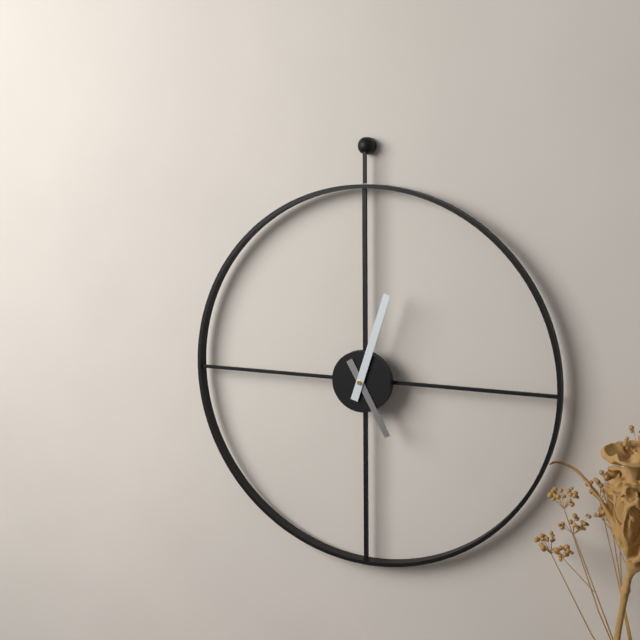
5,03
